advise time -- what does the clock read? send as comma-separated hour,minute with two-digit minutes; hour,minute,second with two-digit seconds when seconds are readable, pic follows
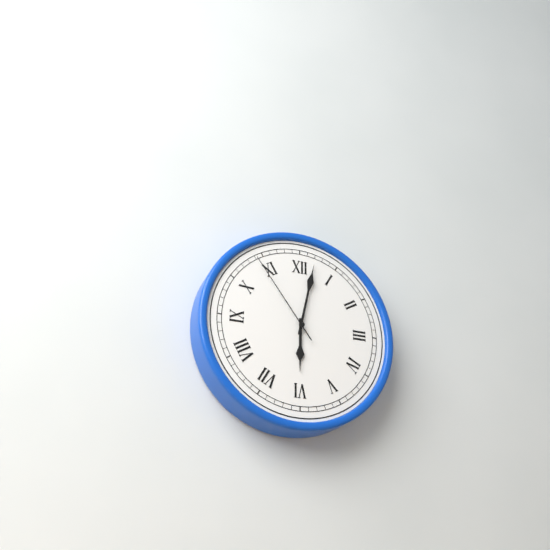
6,02,54
